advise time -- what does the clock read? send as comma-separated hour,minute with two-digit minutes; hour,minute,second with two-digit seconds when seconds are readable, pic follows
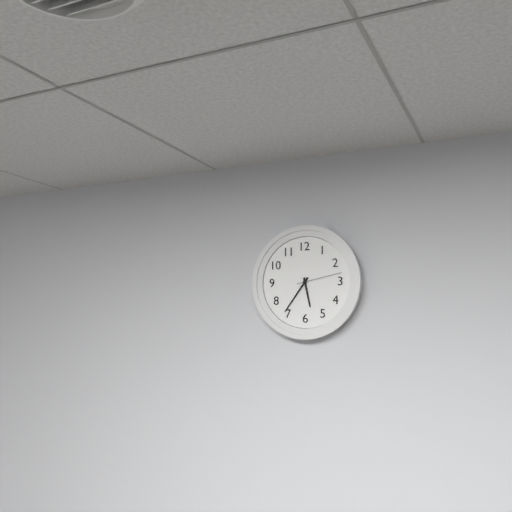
5,36
